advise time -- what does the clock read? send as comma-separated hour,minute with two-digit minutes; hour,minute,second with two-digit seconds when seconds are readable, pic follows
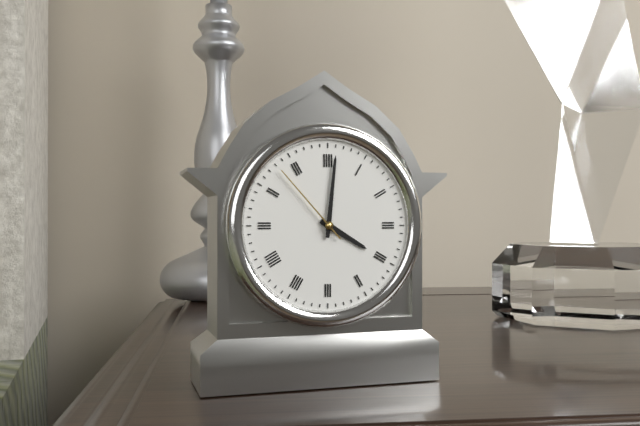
4,01,53
